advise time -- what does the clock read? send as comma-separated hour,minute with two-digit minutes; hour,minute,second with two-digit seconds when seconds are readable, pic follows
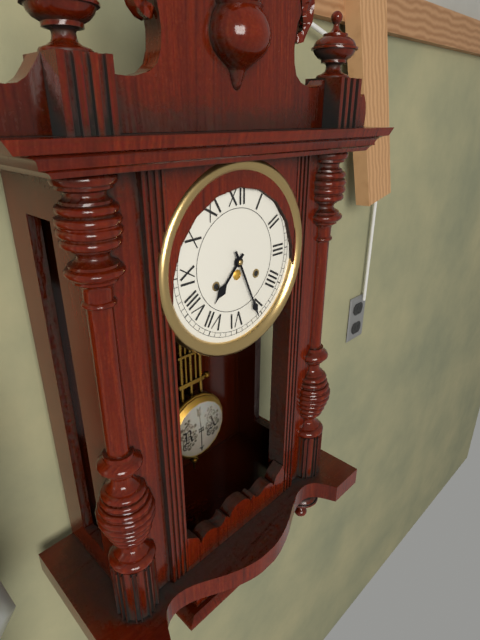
7,26
